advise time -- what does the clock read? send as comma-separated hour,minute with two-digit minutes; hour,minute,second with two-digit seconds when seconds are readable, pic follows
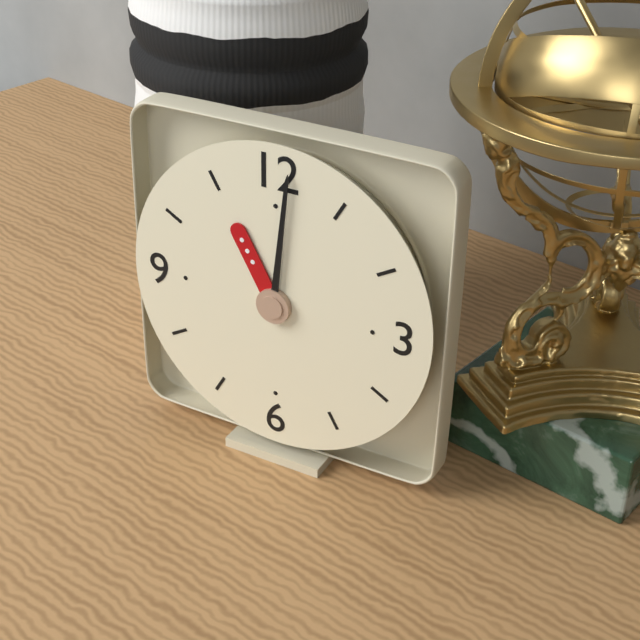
11,01
